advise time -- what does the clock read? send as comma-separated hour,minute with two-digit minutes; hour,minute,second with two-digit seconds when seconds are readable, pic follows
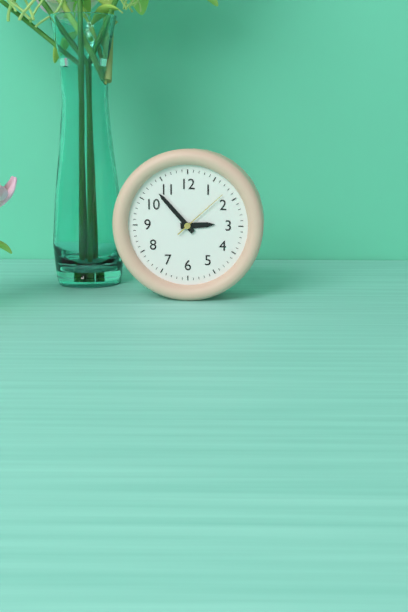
2,53,08
